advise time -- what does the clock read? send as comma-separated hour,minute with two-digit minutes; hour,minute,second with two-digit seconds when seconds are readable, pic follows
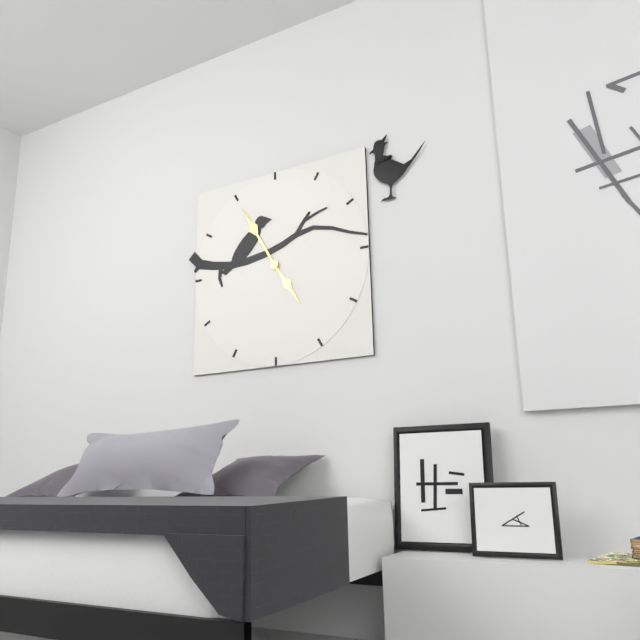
4,55
